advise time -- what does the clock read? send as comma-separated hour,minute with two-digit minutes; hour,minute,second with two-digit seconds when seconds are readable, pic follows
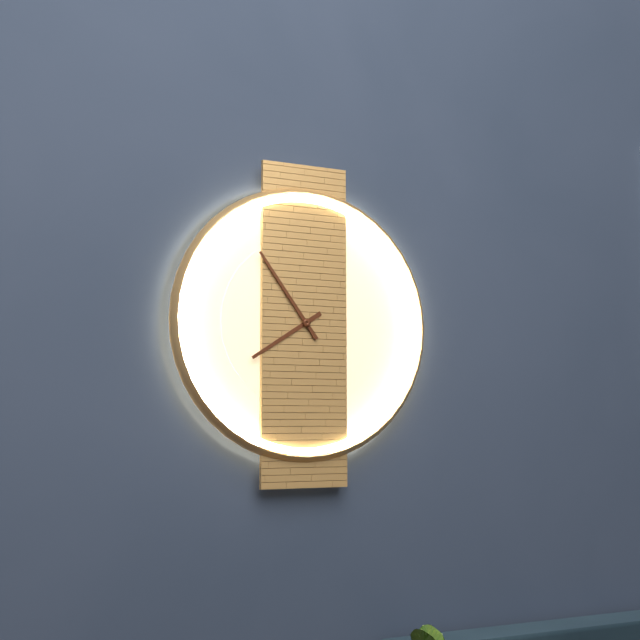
7,54
